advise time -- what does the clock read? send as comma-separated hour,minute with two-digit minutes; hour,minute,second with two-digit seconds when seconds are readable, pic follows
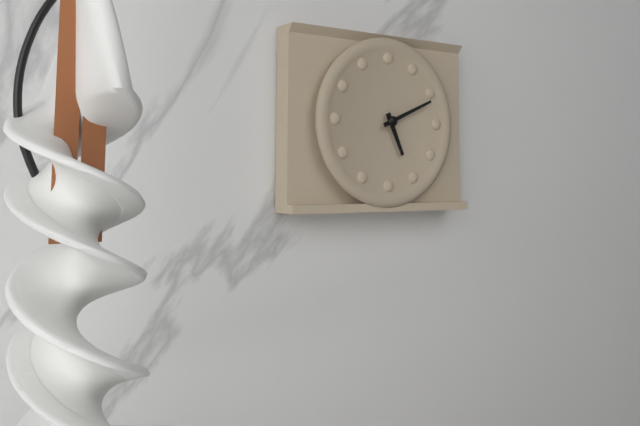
5,11
